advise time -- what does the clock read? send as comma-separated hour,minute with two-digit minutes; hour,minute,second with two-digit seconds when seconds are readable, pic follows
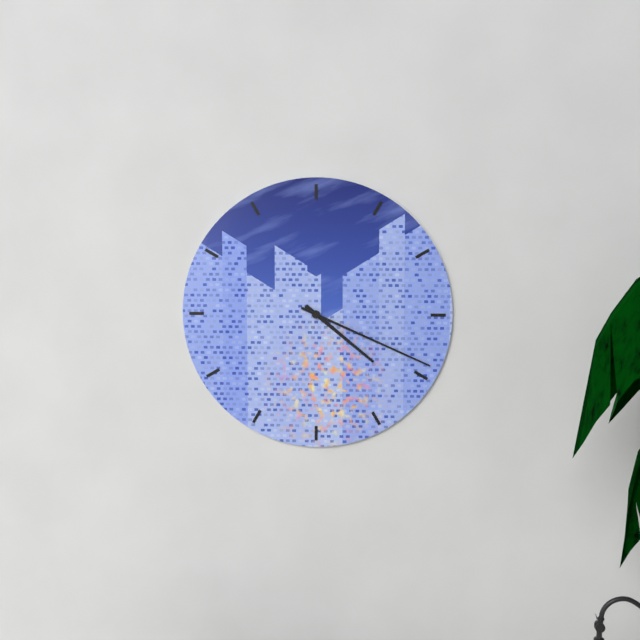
4,19
